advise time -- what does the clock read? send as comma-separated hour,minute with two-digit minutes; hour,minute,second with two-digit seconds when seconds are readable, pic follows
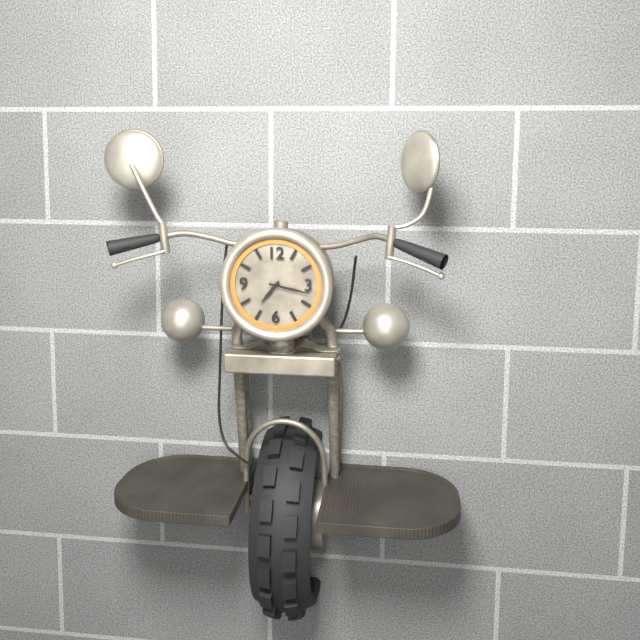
7,17
